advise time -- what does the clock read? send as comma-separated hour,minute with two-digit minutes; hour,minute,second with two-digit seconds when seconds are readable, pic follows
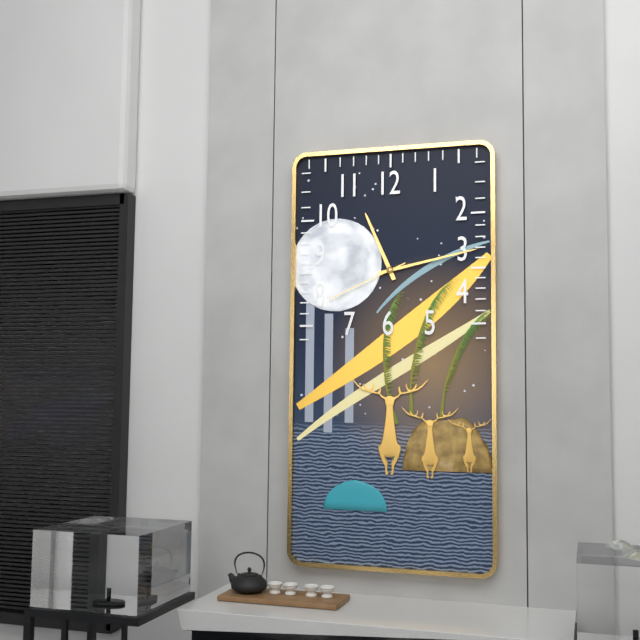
11,13,41
